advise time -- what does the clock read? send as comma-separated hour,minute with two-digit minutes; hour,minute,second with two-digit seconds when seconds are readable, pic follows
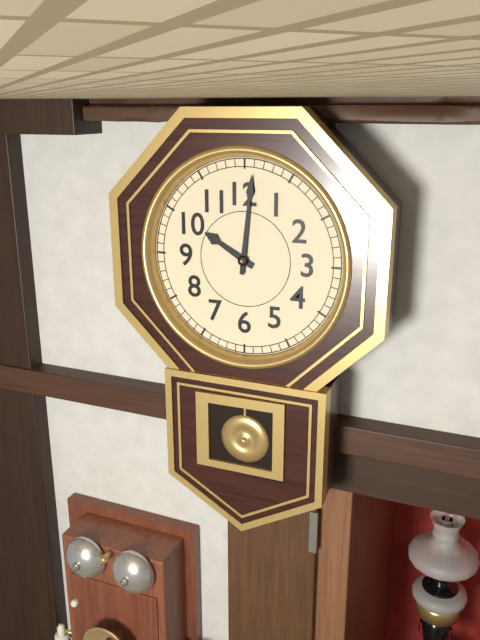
10,01
